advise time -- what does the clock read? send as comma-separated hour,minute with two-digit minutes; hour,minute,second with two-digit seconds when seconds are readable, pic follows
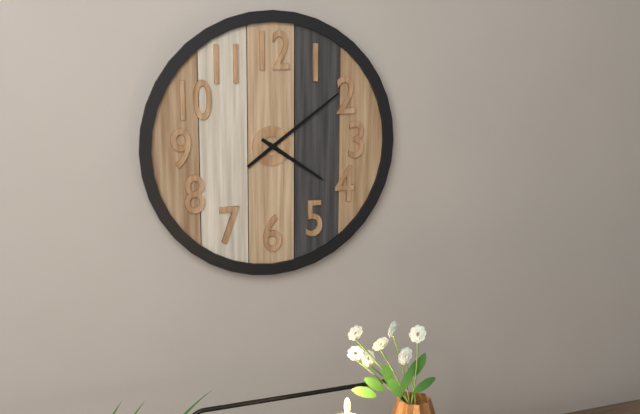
4,09
